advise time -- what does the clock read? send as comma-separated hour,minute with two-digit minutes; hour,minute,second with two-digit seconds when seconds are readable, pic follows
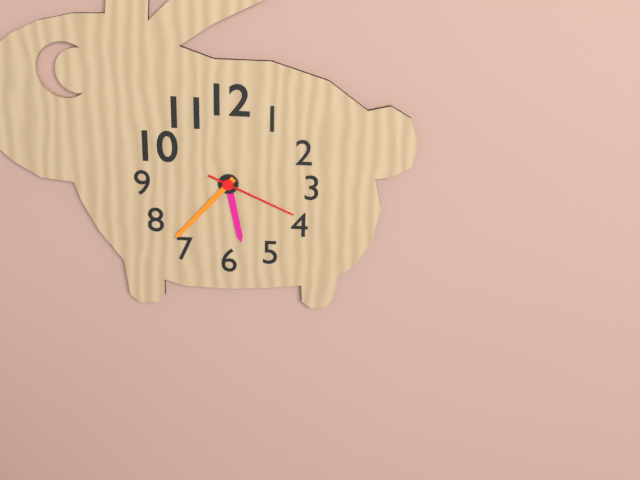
5,37,19
